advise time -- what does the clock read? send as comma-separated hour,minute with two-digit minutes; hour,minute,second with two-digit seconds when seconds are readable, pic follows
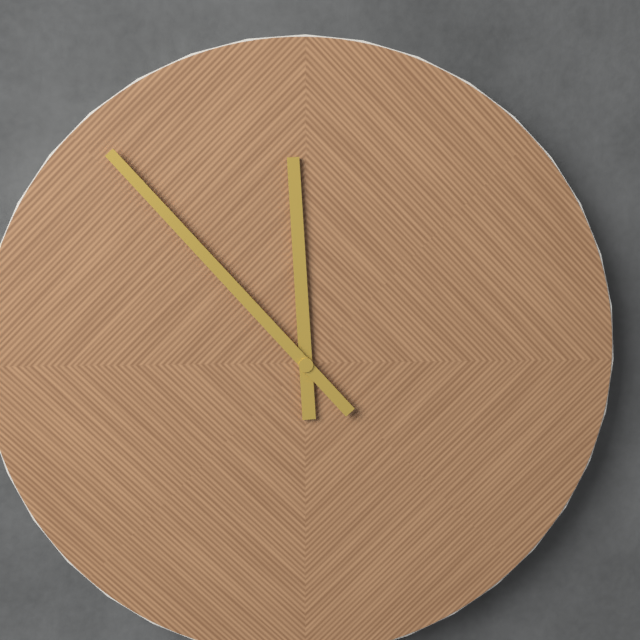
11,53
